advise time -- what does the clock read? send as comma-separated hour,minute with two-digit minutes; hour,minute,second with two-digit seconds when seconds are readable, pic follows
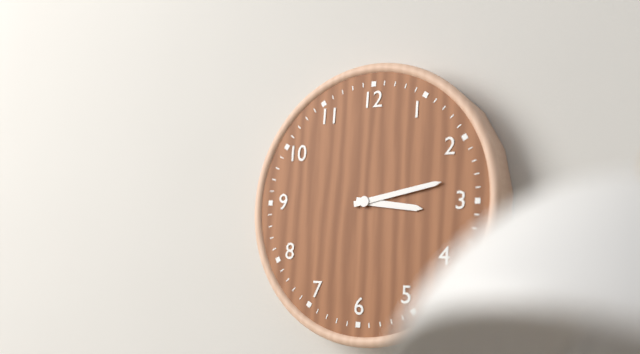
3,13
